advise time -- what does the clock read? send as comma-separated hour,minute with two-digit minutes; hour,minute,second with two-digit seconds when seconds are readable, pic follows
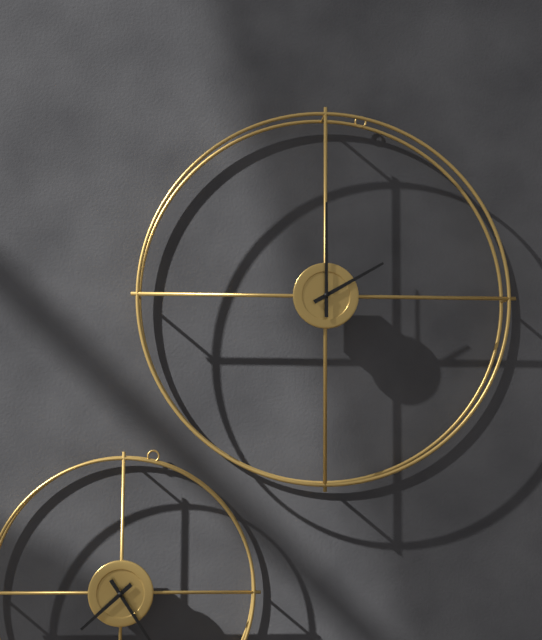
2,00
